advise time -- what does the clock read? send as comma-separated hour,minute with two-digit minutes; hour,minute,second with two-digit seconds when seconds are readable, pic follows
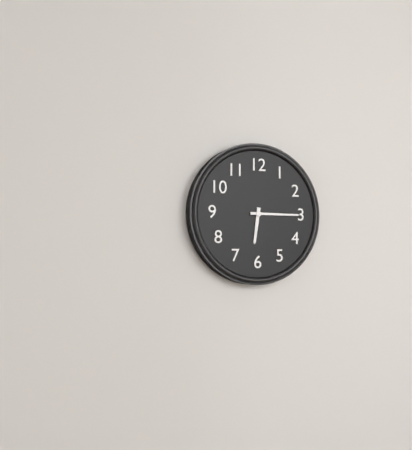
6,15
